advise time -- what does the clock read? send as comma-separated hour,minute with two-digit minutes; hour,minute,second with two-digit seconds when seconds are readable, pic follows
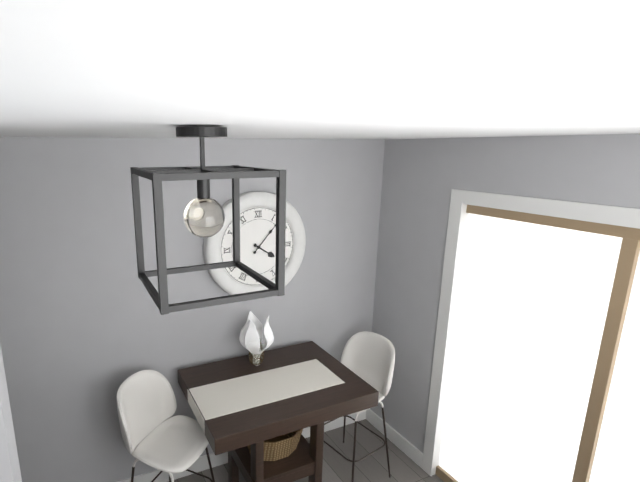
4,07
